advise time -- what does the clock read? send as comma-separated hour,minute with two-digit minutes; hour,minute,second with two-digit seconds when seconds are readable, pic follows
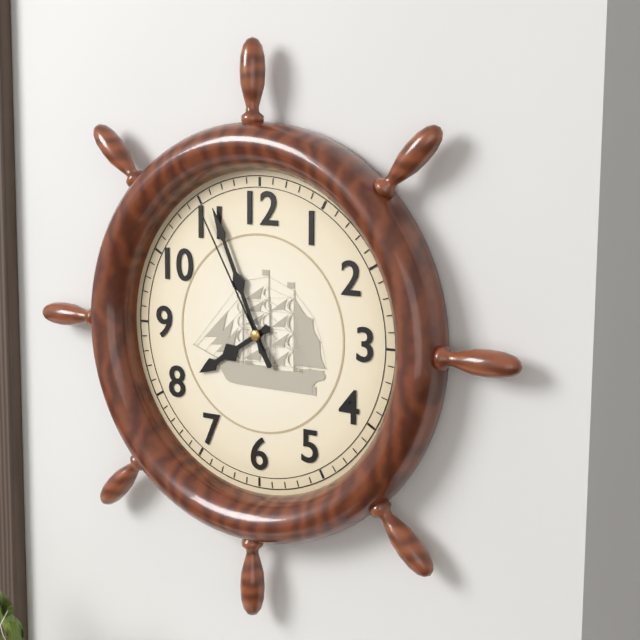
7,56,55
